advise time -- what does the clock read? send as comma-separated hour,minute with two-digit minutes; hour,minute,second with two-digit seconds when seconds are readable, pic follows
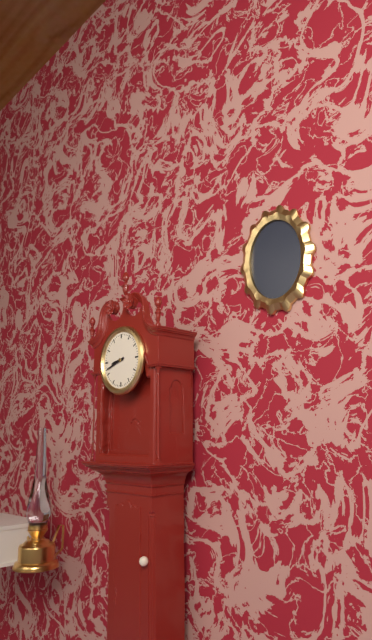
8,42
